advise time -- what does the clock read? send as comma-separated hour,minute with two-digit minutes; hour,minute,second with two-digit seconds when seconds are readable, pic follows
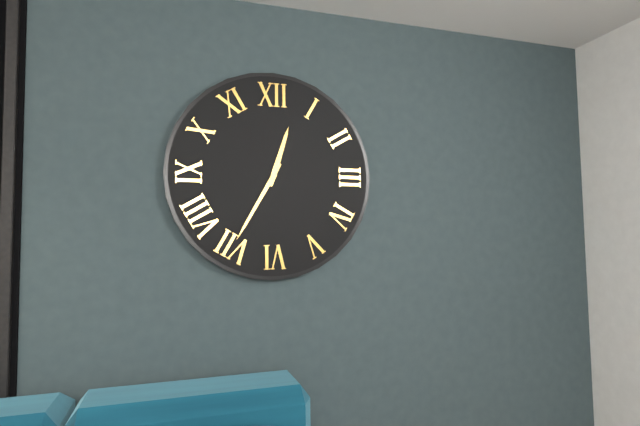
12,35
